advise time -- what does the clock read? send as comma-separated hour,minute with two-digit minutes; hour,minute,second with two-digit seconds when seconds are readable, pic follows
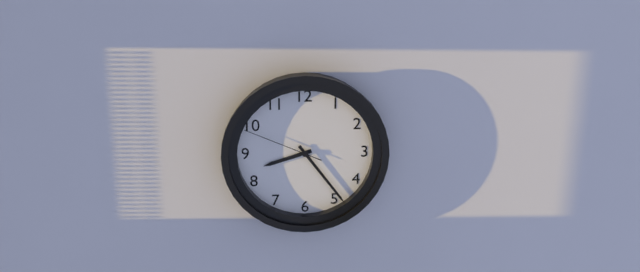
8,24,49
